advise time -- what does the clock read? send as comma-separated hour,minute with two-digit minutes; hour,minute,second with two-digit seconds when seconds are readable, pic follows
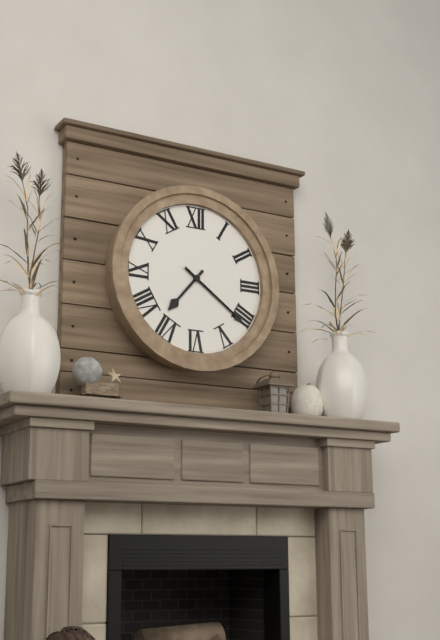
7,21,21
